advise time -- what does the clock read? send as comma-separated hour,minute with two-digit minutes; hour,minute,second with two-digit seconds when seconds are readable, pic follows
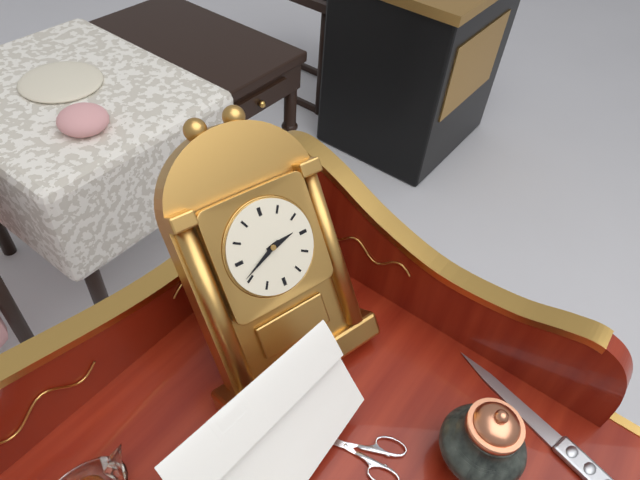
2,41
